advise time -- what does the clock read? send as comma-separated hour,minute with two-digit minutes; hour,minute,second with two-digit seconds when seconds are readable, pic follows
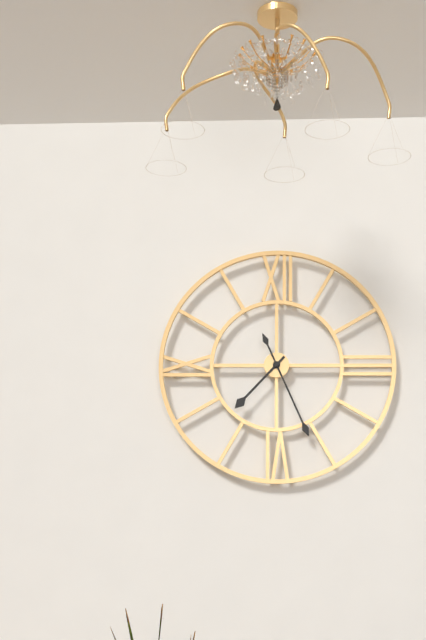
7,26
